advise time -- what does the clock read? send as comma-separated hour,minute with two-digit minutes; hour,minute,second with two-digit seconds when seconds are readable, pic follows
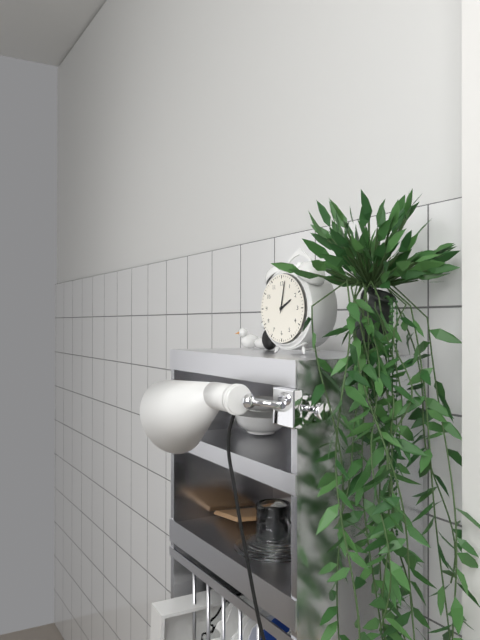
2,02
